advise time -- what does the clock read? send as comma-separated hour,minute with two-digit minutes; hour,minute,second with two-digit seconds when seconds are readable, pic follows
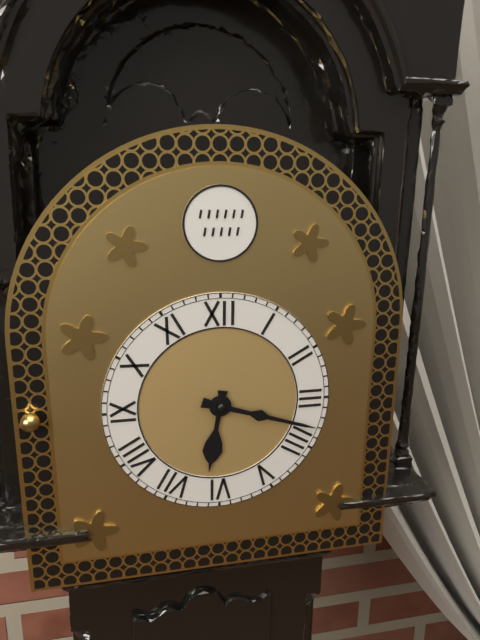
6,18
